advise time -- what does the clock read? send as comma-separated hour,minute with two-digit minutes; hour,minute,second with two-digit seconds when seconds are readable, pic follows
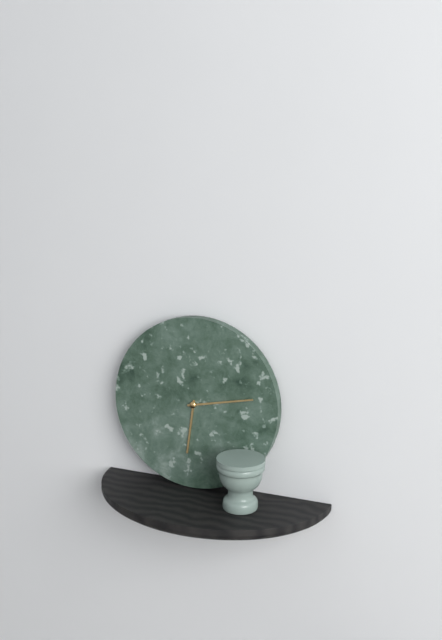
6,13
